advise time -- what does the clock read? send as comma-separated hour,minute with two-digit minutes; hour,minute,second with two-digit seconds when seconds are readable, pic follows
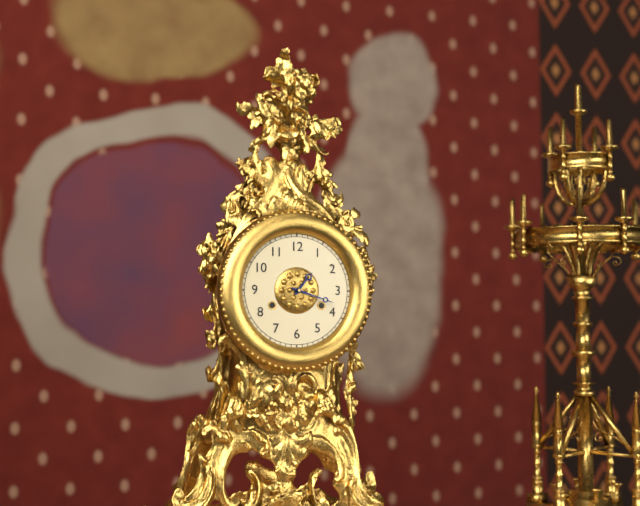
1,18
